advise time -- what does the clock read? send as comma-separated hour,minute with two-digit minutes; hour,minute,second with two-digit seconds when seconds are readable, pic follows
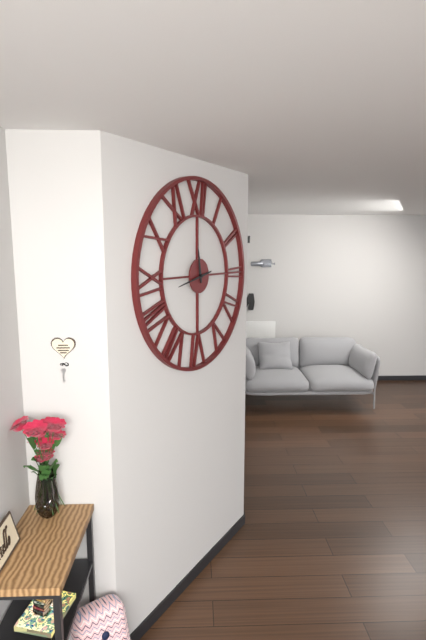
11,43
